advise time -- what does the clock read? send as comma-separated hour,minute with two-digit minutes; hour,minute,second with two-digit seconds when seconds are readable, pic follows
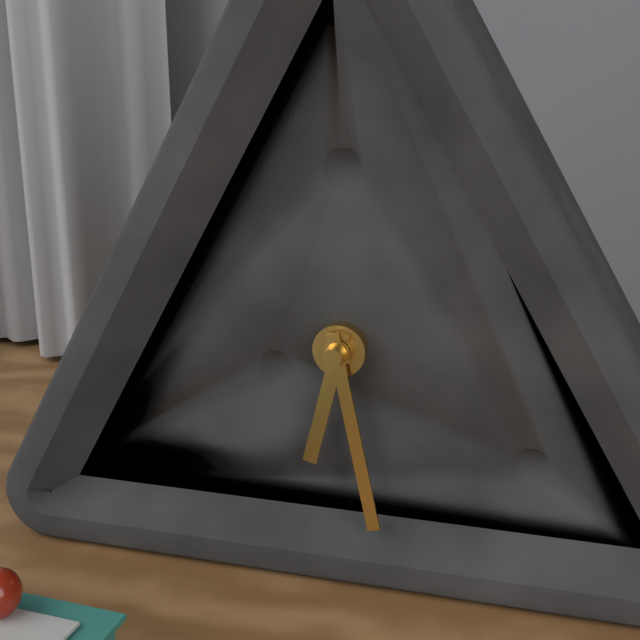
6,28
